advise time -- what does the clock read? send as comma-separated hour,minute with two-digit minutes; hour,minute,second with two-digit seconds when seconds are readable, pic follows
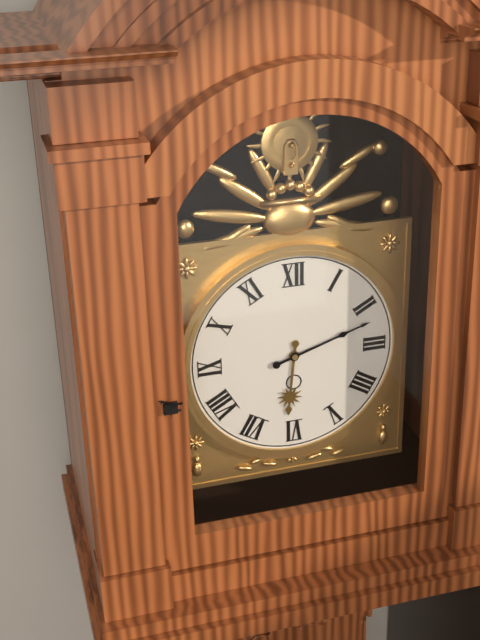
6,12
